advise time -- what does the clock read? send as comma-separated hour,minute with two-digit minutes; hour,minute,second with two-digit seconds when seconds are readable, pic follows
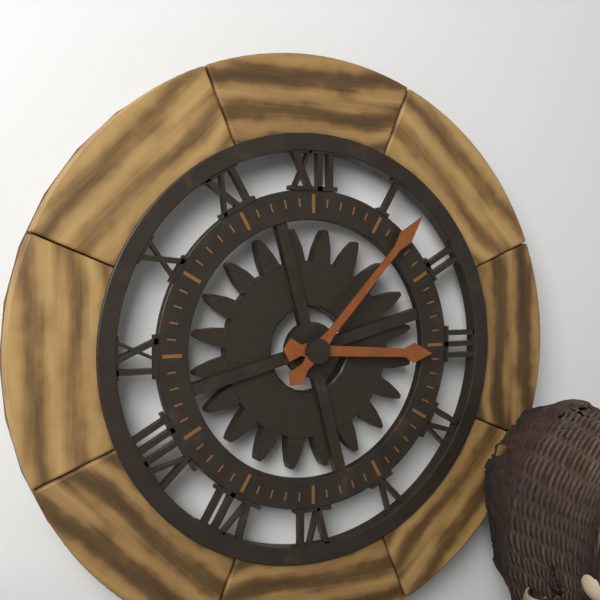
3,07
